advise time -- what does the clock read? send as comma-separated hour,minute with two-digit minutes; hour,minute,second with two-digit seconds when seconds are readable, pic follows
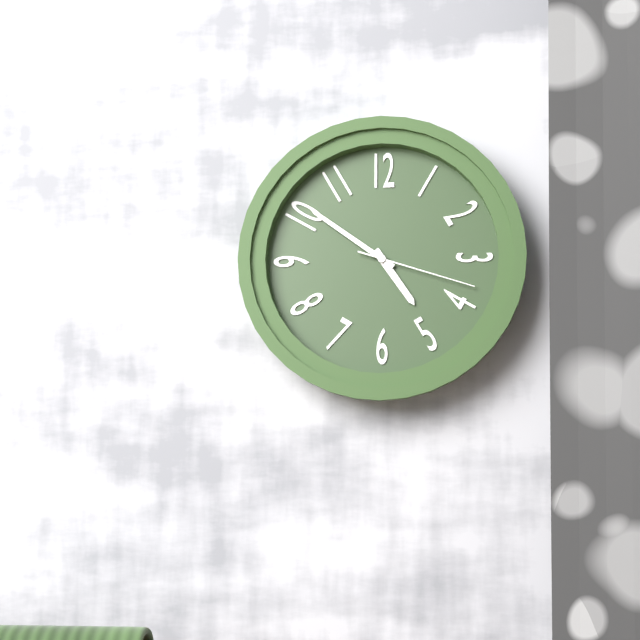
4,51,18
